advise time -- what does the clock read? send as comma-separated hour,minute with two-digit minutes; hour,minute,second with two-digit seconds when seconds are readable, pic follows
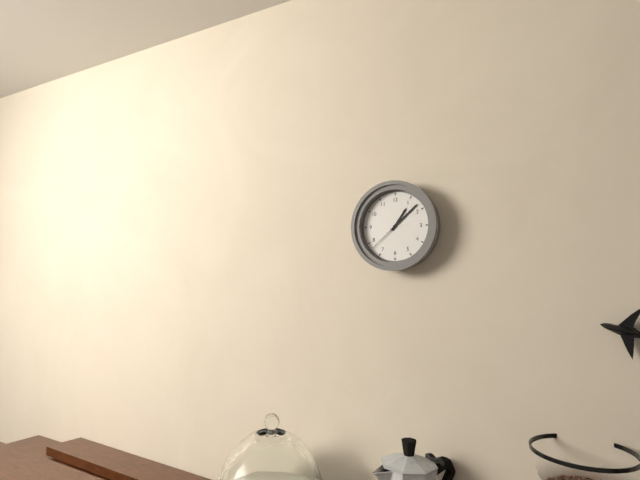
1,08
